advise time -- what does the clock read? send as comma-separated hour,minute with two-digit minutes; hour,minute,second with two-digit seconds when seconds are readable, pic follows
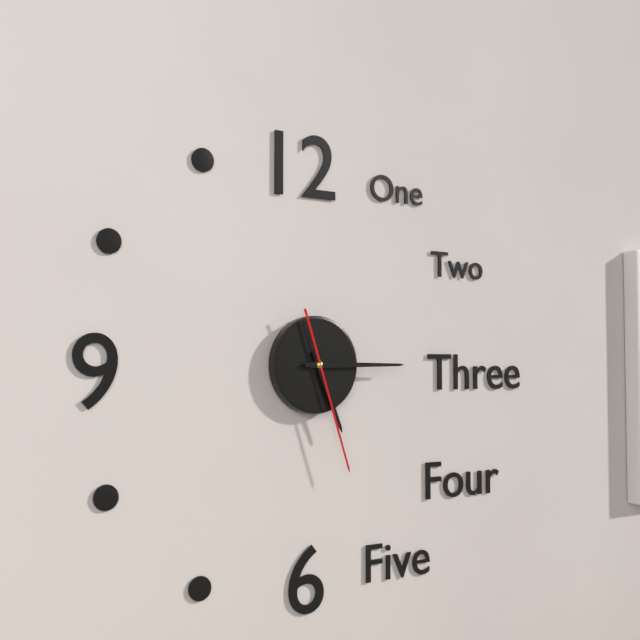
5,15,27
